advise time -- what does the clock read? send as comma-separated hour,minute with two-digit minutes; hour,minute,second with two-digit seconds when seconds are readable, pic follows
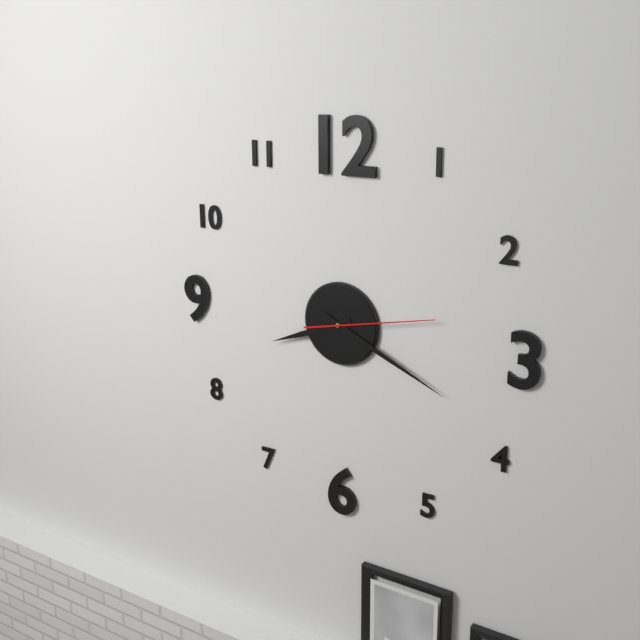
8,19,13
